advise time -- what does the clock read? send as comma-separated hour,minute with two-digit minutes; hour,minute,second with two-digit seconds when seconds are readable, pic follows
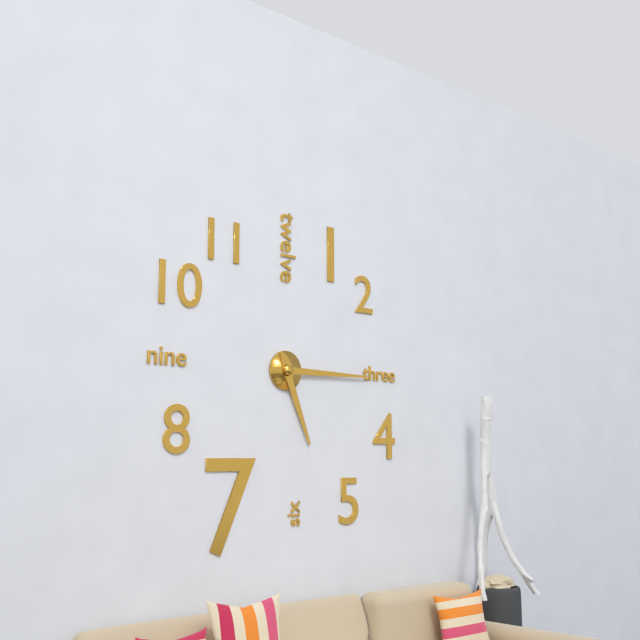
5,15
